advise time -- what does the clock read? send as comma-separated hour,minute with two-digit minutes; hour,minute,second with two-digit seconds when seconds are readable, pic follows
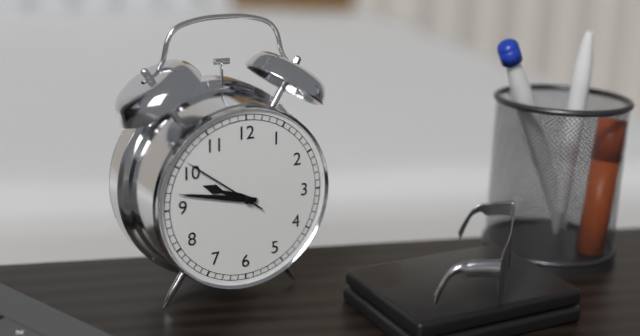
9,47,51
